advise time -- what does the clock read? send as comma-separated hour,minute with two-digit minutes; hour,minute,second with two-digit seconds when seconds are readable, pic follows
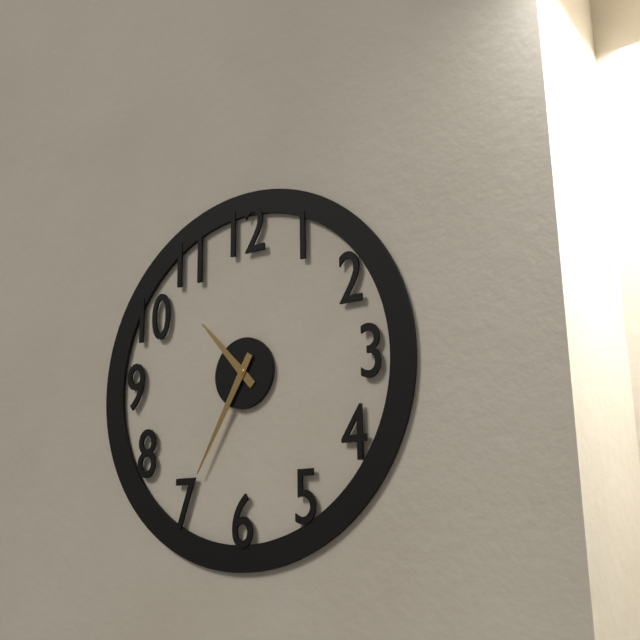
10,35
